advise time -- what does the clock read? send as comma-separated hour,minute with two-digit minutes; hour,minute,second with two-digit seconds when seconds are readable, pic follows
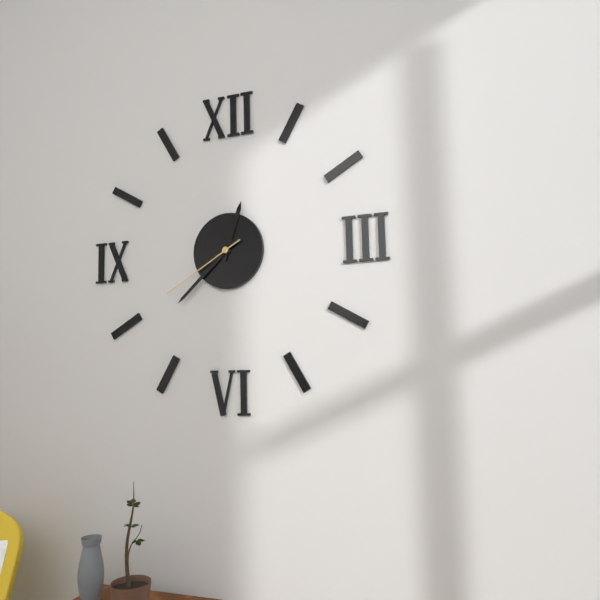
12,38,40
